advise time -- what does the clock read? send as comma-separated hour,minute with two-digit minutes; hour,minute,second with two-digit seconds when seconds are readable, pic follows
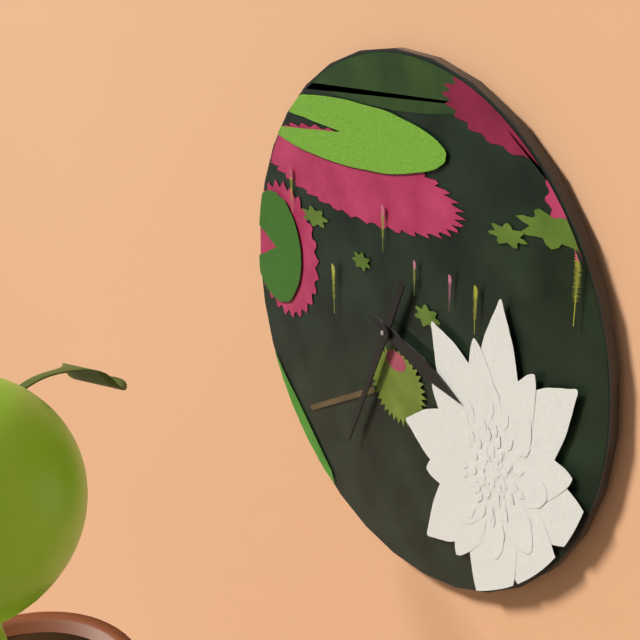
3,34
